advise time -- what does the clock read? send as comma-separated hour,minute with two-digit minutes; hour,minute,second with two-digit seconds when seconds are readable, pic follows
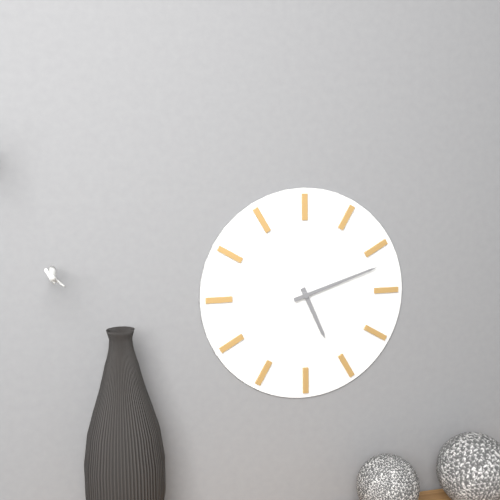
5,12
